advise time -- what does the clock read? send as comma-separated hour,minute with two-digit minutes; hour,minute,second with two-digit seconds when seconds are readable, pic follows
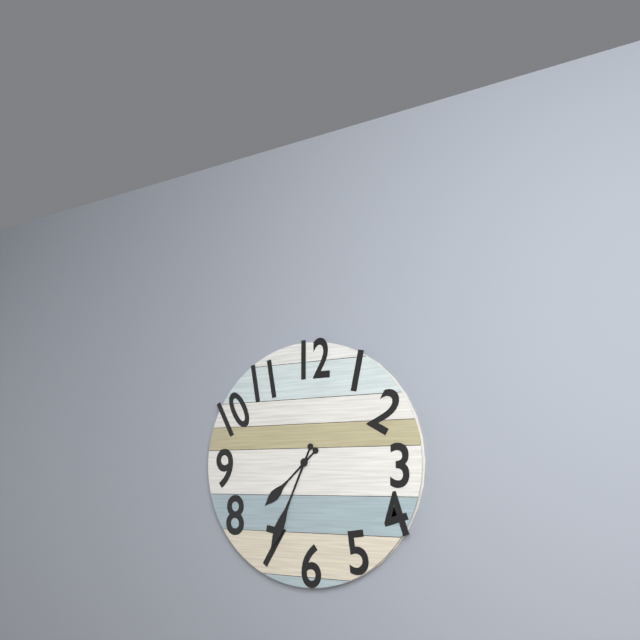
7,34
